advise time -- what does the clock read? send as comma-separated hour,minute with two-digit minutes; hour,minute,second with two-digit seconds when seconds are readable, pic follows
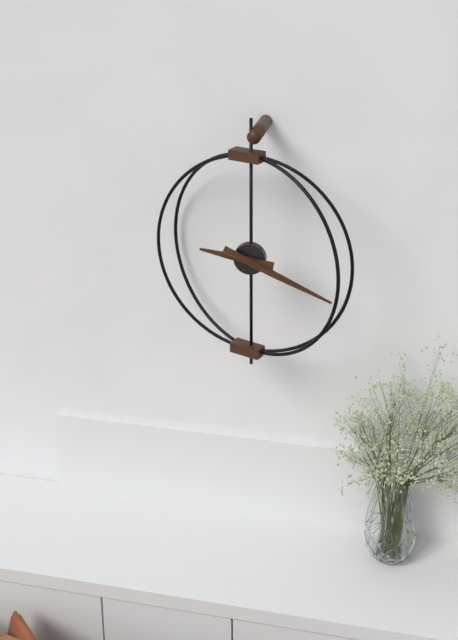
9,19
